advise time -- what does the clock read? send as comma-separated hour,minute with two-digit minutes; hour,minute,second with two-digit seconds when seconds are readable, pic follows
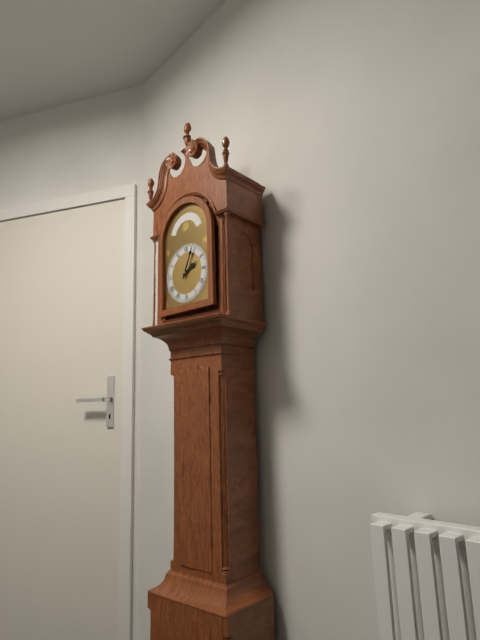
2,04
